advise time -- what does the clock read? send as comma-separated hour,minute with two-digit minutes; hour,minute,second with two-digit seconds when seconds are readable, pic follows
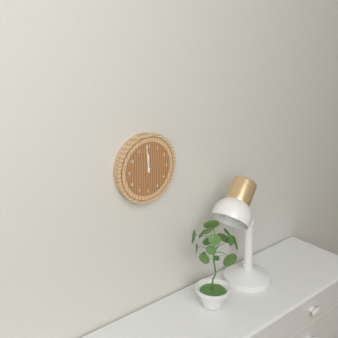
11,59
